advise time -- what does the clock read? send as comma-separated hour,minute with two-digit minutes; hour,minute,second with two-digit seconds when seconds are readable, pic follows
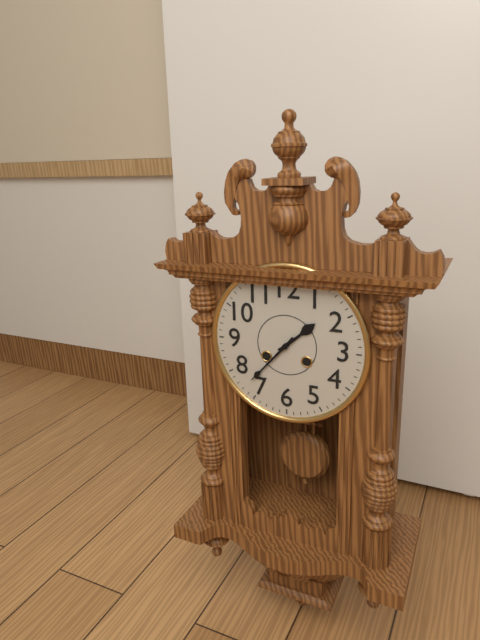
1,37
